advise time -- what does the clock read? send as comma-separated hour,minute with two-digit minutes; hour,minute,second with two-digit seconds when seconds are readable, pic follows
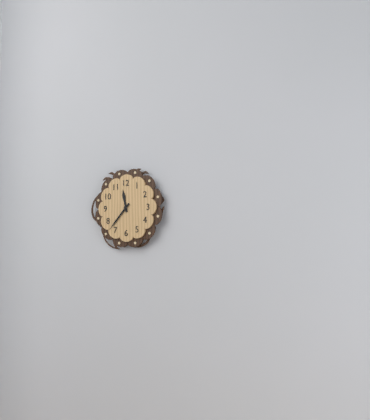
11,37
